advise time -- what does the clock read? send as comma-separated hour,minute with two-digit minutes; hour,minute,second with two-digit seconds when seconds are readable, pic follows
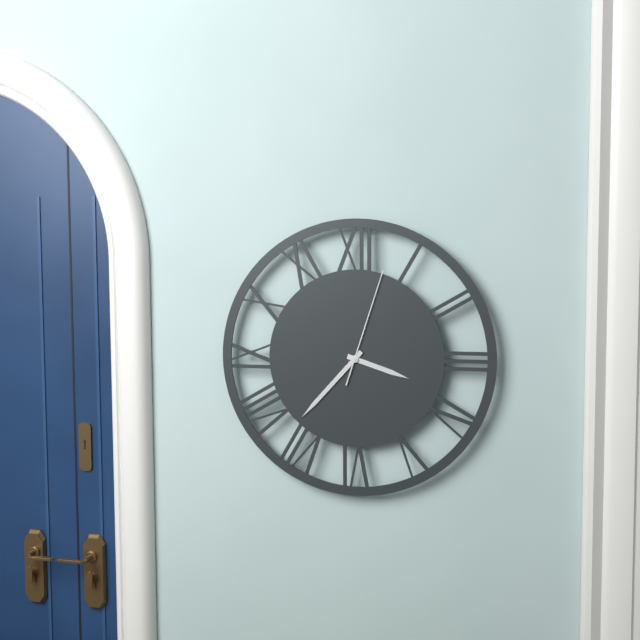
3,37,03
